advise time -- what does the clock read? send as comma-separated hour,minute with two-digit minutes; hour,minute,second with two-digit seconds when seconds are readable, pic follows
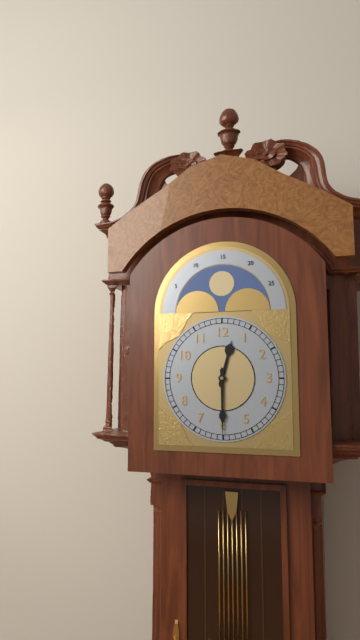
12,30
